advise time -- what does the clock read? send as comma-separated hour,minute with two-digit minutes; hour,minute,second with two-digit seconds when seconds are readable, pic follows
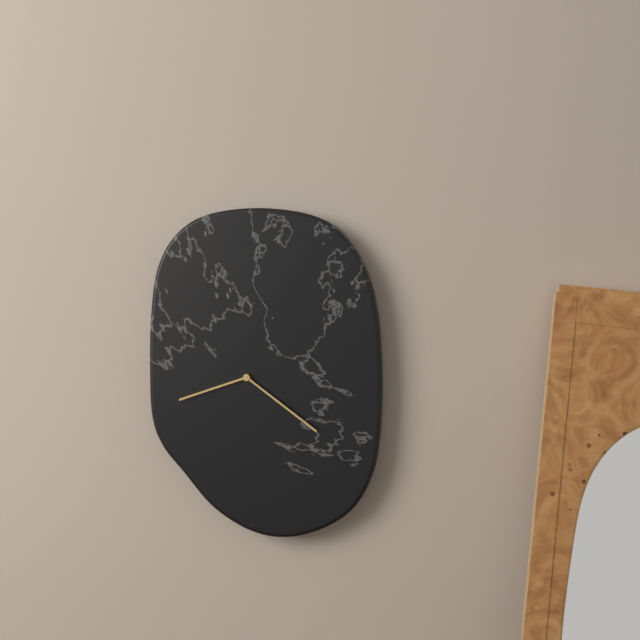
8,21
